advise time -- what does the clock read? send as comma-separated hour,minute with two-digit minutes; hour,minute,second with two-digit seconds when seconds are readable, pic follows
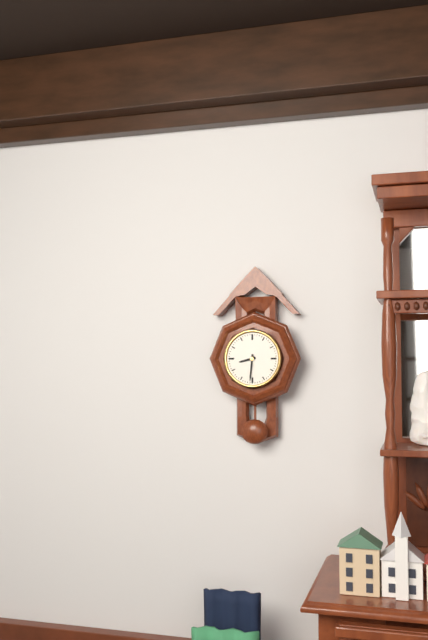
8,31
